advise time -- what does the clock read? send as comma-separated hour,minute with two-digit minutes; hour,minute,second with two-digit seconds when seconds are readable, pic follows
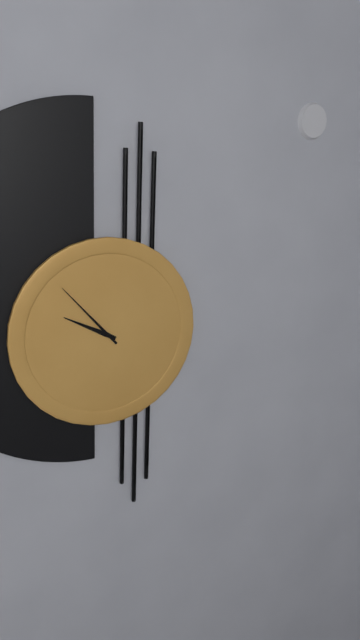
9,53
